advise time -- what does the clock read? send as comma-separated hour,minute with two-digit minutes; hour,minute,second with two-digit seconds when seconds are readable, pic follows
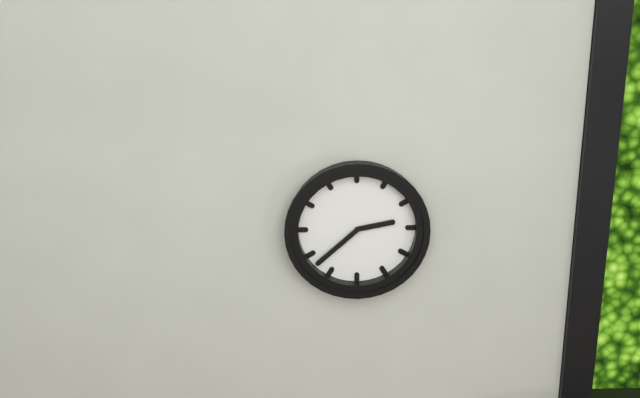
2,38
